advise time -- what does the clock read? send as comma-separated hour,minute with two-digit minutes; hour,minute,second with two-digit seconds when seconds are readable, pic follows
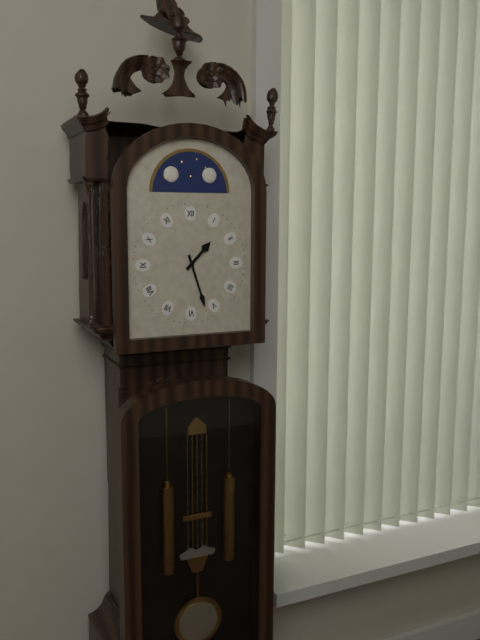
1,27
